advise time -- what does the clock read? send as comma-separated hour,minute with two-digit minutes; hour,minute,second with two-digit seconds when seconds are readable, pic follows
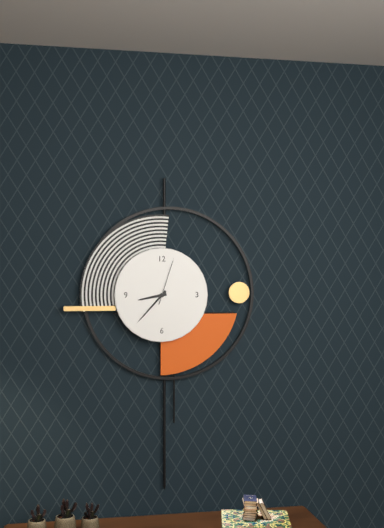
8,37
